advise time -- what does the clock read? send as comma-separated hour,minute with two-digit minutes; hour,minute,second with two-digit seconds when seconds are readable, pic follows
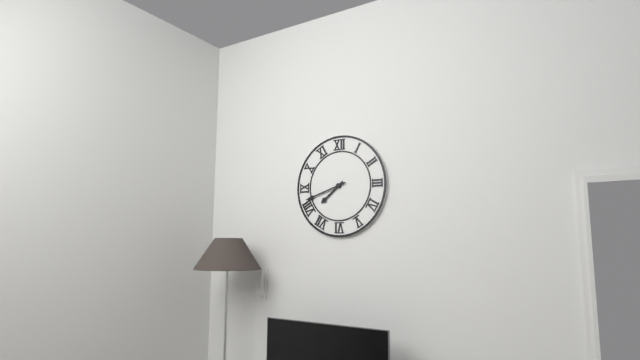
7,42
